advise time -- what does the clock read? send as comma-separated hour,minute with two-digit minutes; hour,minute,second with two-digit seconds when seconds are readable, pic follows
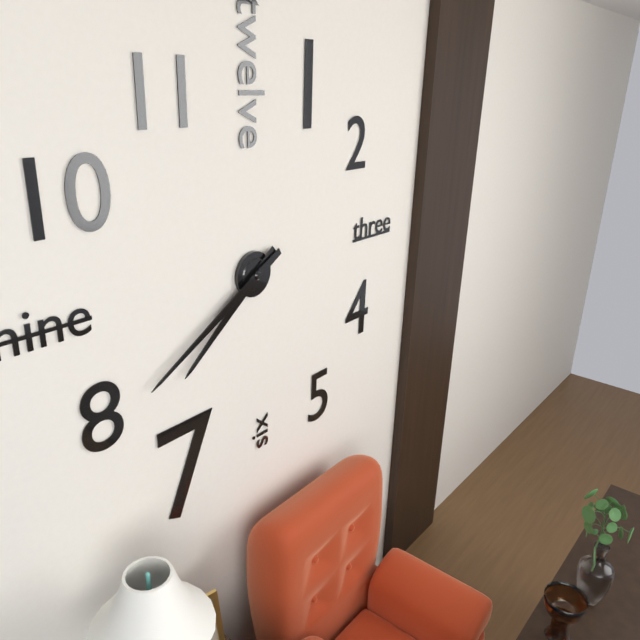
7,40
